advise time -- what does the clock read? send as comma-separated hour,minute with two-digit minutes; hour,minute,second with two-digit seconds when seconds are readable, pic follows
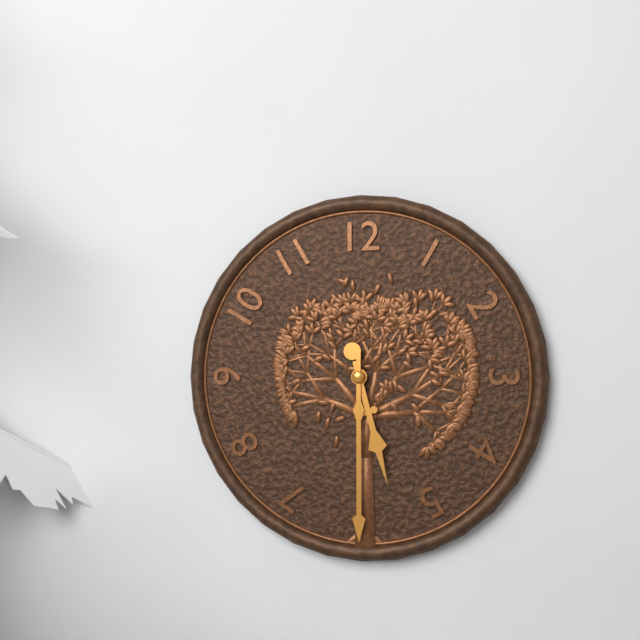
5,30
